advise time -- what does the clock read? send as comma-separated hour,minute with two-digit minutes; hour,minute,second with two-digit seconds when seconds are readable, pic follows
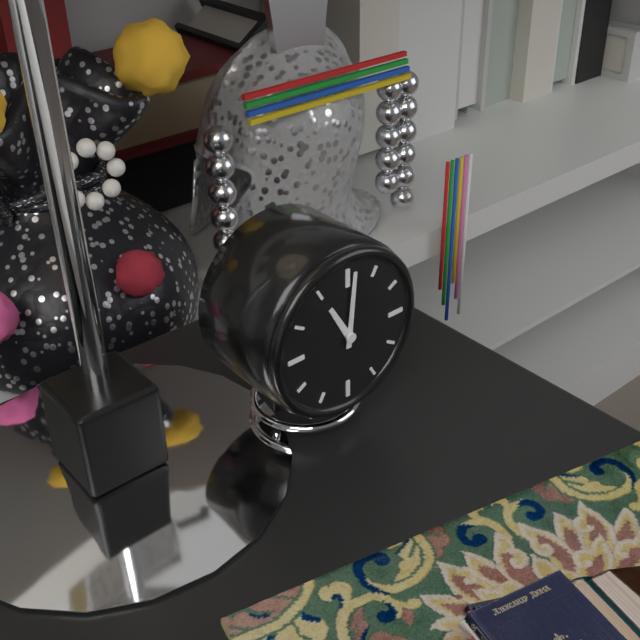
11,01
